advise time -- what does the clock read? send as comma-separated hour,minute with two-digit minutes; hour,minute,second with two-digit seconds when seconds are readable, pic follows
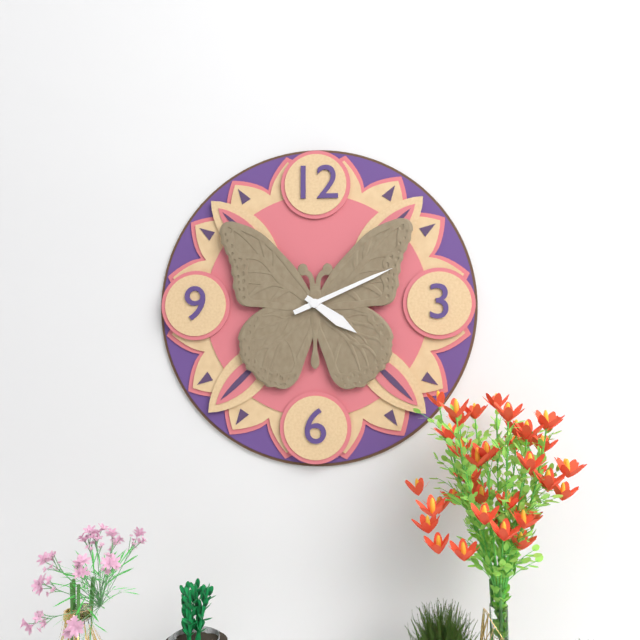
4,11
